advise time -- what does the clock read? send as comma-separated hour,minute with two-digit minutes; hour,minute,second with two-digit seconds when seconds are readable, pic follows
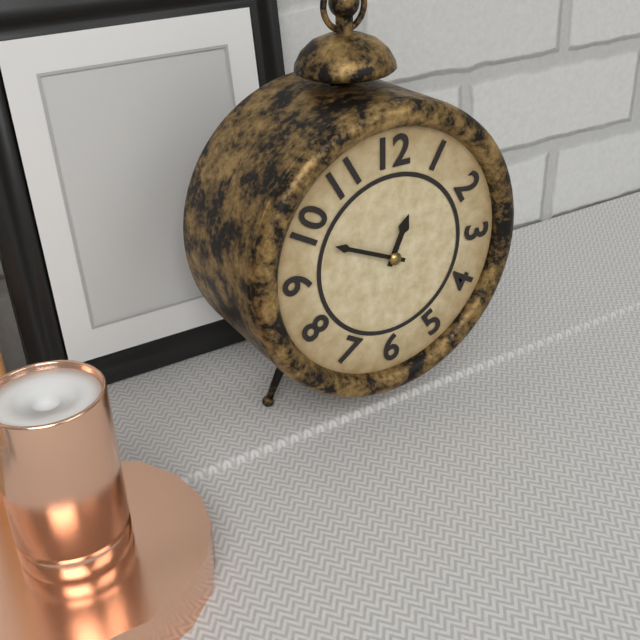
12,49
